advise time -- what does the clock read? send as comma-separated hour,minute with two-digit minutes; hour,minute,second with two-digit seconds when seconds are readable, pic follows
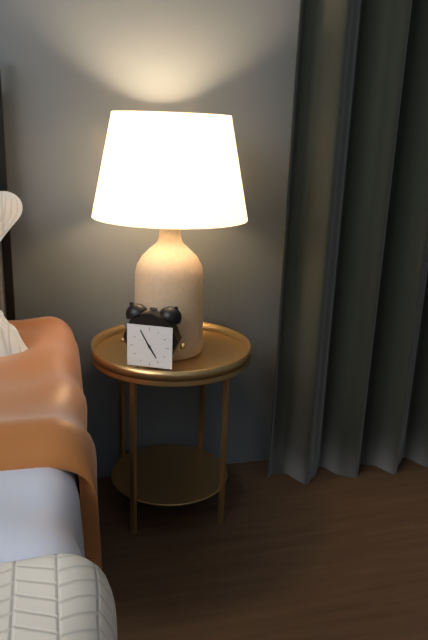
4,55
